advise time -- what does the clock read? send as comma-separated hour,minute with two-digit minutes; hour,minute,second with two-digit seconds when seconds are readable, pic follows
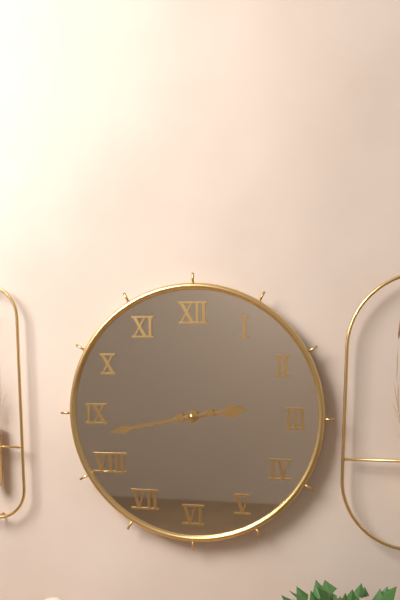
2,43
